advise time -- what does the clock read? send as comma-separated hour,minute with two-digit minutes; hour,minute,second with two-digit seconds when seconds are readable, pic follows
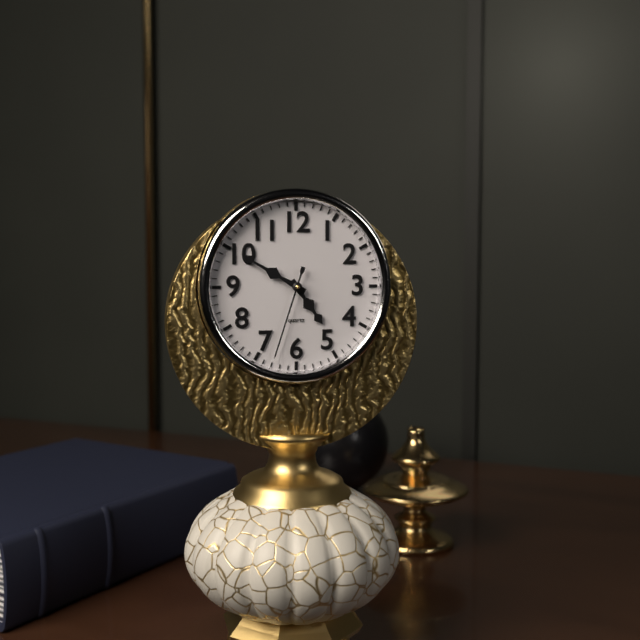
4,50,33
